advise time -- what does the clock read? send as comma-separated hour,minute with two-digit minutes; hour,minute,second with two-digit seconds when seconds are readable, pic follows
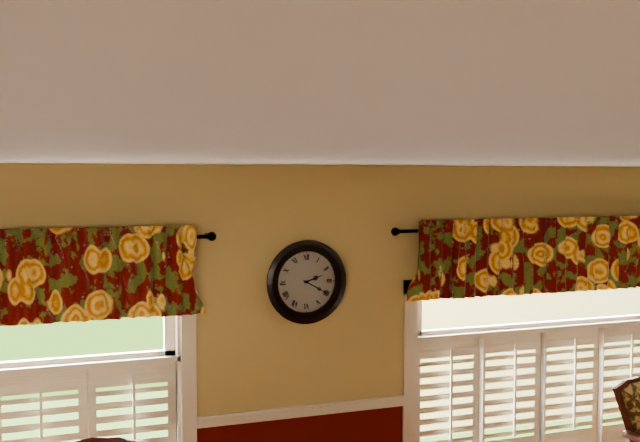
2,20
